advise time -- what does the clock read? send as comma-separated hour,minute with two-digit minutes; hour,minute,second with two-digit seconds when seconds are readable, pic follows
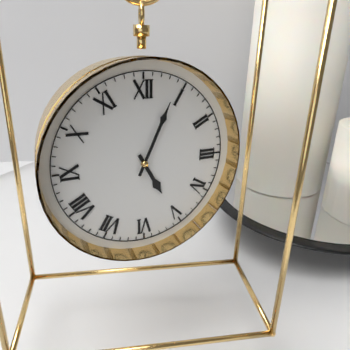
5,04
